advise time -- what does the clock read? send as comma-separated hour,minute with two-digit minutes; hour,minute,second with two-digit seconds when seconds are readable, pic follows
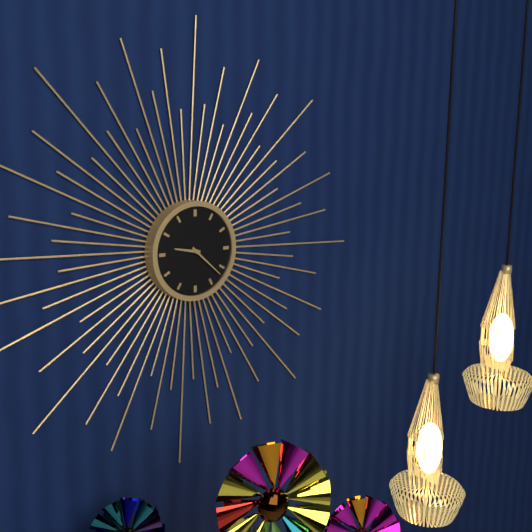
9,22
